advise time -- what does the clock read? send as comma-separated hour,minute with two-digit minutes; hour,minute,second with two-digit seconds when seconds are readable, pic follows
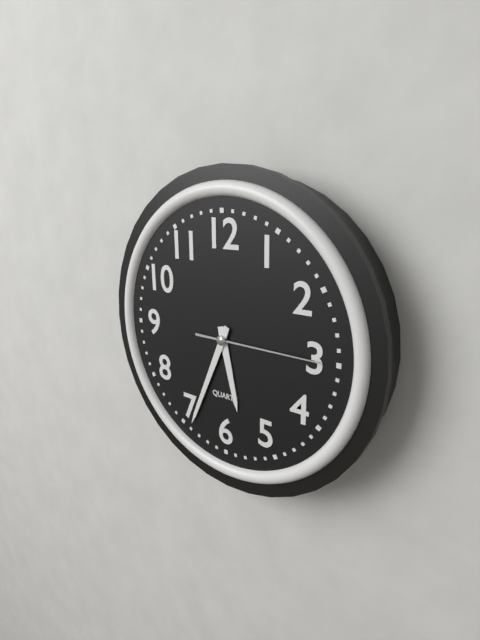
5,34,15
